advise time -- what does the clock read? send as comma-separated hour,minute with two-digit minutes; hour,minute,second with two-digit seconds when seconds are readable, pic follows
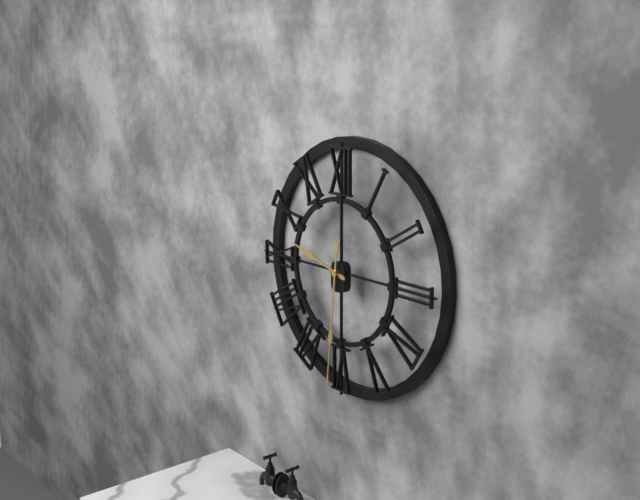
9,31
